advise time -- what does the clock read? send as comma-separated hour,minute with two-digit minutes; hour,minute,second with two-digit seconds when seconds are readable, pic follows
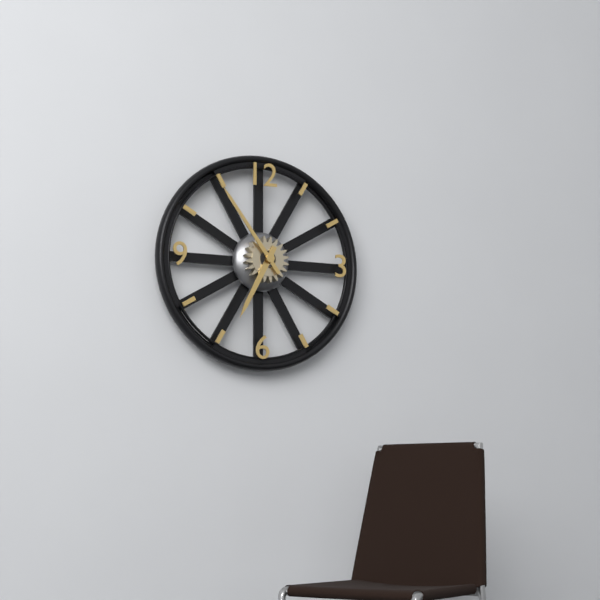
6,54
